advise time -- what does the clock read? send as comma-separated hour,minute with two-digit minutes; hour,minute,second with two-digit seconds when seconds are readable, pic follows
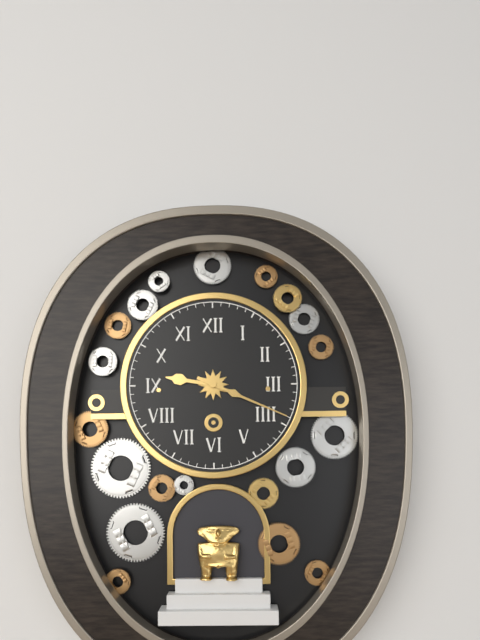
9,19
